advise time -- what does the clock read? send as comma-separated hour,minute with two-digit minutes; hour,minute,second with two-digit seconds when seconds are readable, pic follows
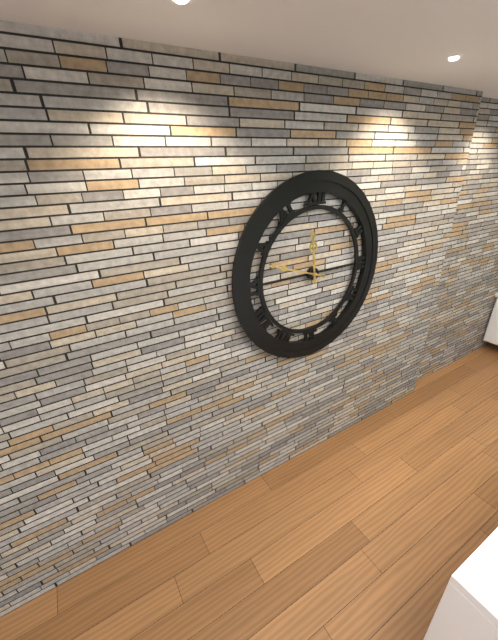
11,48
